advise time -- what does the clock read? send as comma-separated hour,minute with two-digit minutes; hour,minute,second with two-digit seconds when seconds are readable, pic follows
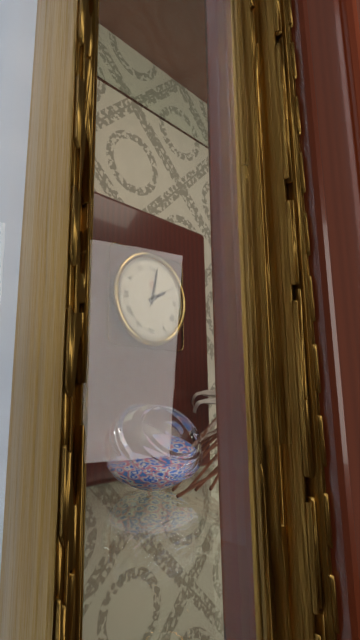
2,02
